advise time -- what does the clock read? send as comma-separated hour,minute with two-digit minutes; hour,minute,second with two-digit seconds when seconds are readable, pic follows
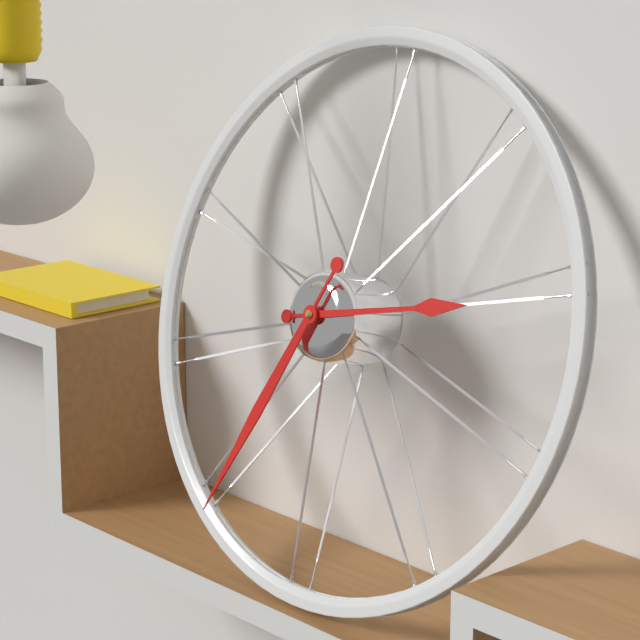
2,34
